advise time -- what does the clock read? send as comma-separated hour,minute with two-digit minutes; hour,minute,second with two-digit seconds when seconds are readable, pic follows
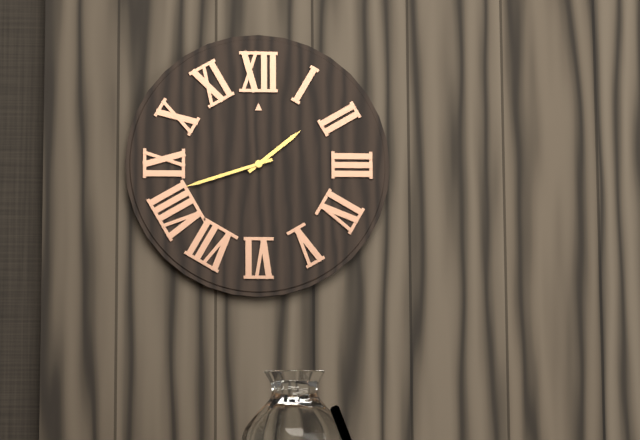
1,42
